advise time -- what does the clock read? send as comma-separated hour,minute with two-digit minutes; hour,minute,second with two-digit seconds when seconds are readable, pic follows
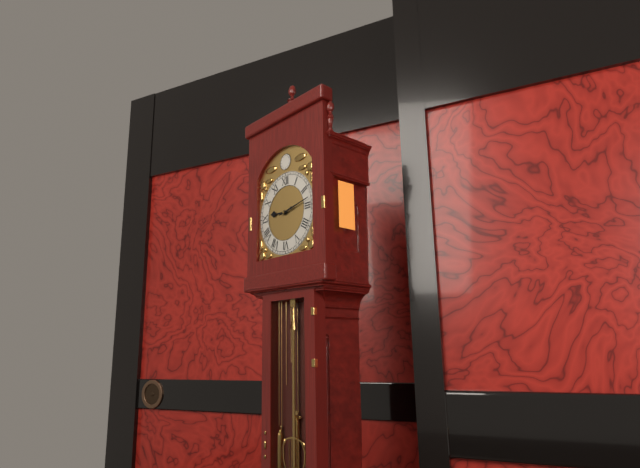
9,13
